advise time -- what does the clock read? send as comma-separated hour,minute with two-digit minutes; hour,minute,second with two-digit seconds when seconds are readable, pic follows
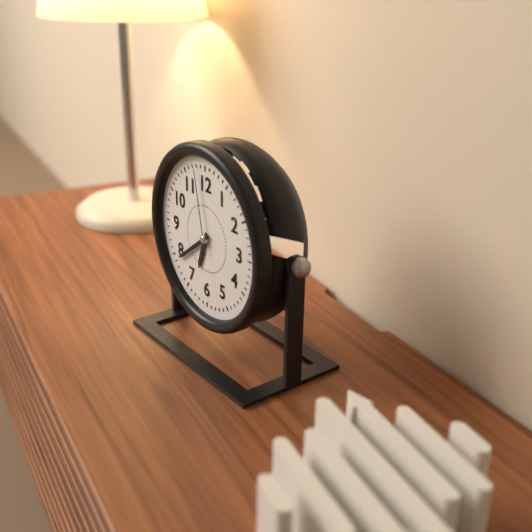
6,39,58
